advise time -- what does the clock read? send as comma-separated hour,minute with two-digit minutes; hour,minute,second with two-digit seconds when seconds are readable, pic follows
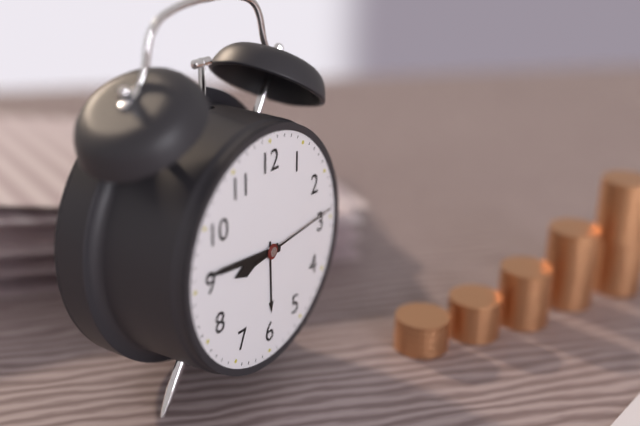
8,46,14
